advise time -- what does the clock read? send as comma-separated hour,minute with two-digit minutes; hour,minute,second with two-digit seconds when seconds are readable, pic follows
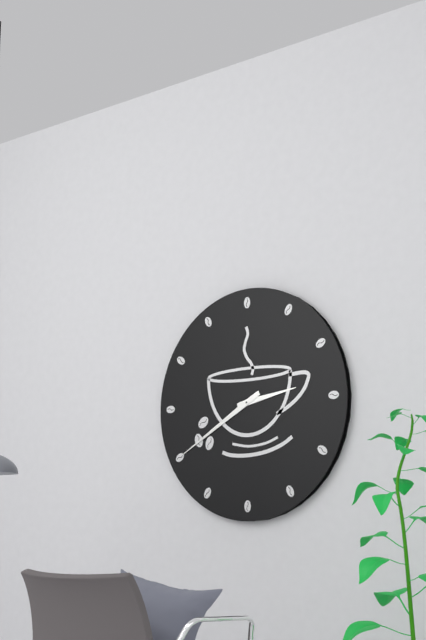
2,40
